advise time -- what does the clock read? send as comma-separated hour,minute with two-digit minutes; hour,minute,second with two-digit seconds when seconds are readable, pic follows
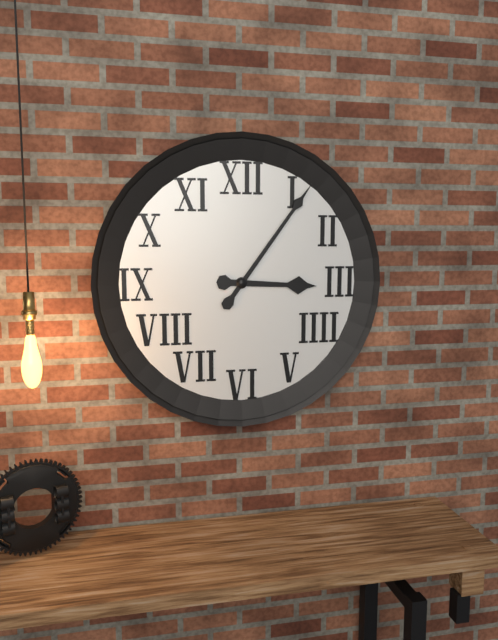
3,06
